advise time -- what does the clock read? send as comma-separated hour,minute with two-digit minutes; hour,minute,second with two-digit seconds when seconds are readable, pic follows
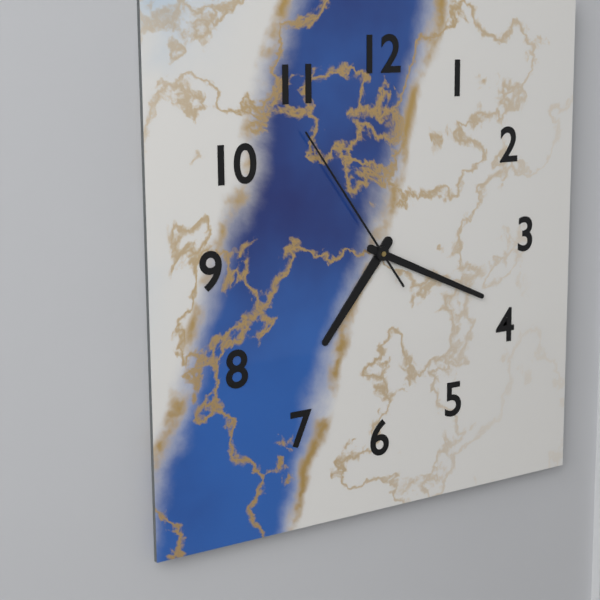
7,19,54
